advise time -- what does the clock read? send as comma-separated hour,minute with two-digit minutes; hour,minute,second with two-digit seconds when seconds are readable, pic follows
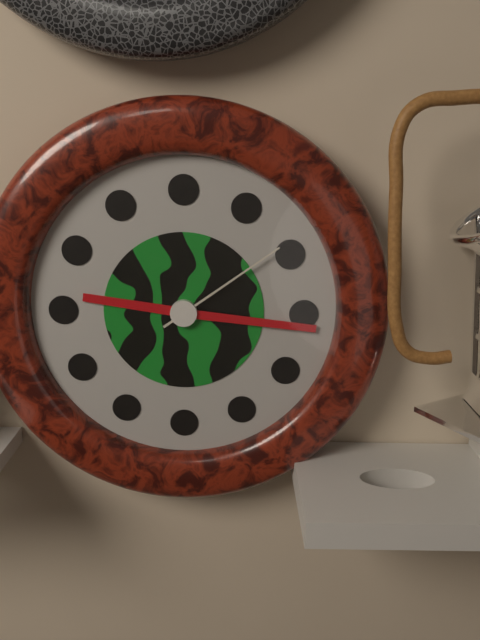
9,16,09
